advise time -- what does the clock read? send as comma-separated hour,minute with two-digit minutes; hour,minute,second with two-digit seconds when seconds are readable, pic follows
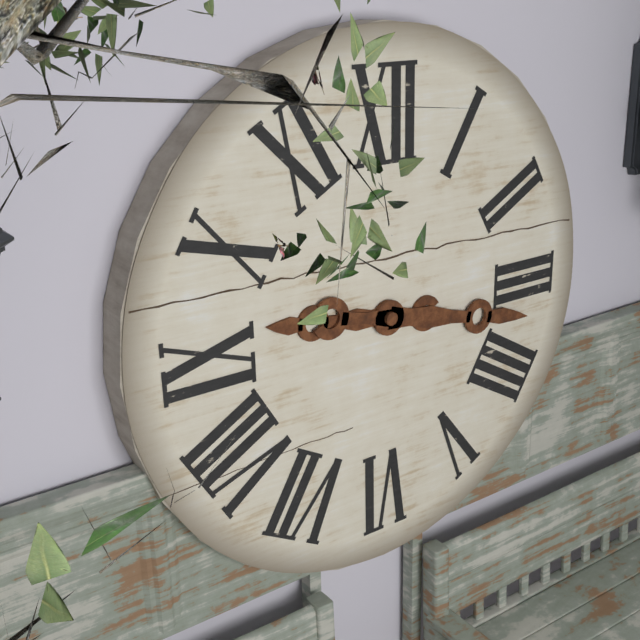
9,17
